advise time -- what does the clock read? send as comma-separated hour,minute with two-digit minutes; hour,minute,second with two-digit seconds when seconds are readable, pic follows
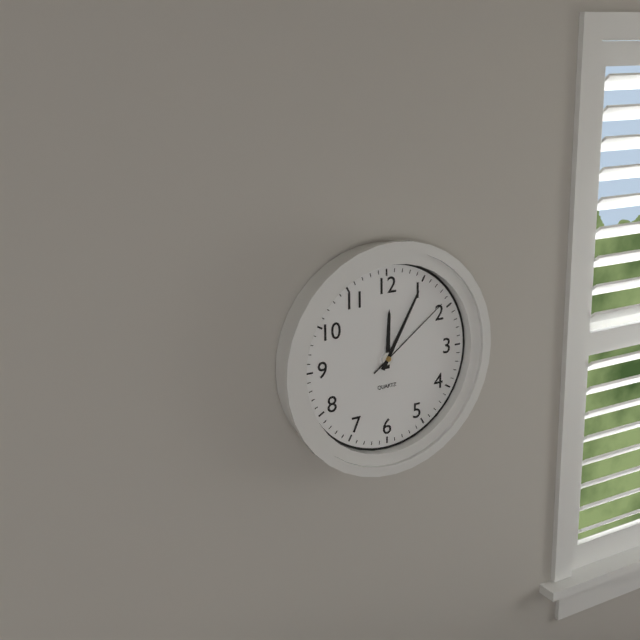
12,05,09
